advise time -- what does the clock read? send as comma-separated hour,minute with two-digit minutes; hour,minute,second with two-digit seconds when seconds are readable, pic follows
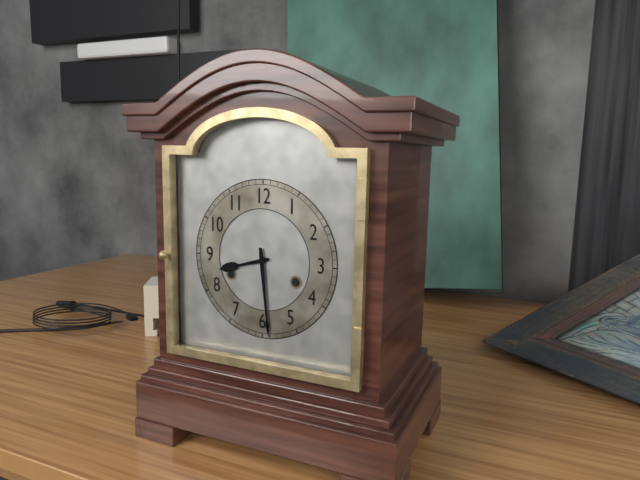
8,29
